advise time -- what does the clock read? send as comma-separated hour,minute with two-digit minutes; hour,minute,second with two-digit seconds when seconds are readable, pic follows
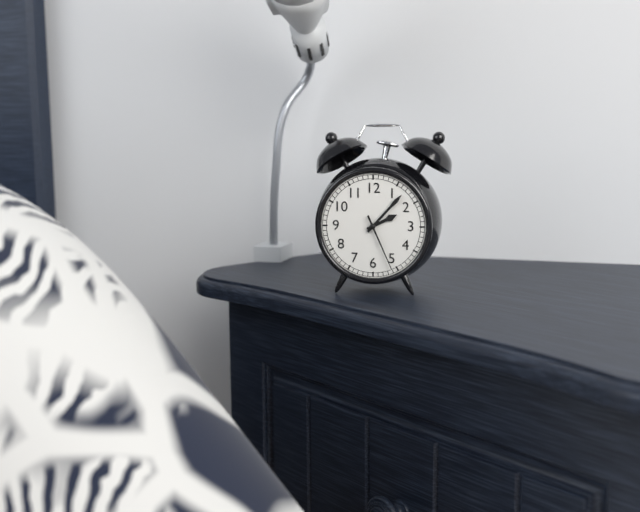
2,07,26
